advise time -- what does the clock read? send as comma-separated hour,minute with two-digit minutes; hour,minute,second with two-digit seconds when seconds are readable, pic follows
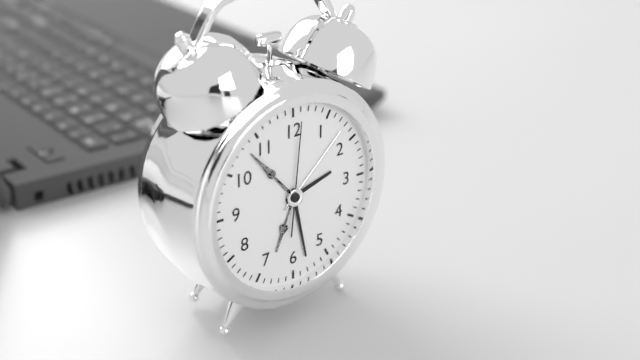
2,28,01
